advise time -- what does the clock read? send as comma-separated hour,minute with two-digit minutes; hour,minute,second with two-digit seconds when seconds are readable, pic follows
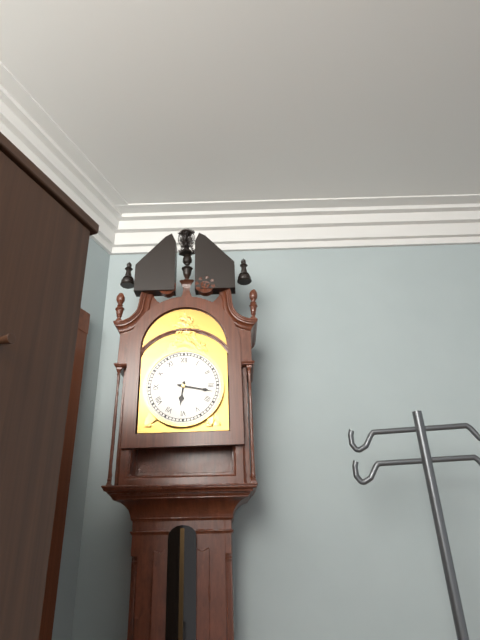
6,17
